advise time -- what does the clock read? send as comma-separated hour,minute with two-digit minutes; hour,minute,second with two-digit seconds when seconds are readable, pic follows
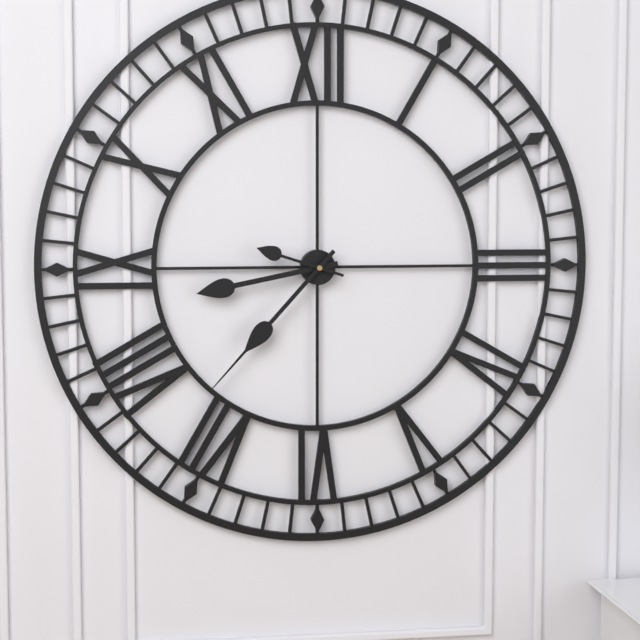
8,37,48
